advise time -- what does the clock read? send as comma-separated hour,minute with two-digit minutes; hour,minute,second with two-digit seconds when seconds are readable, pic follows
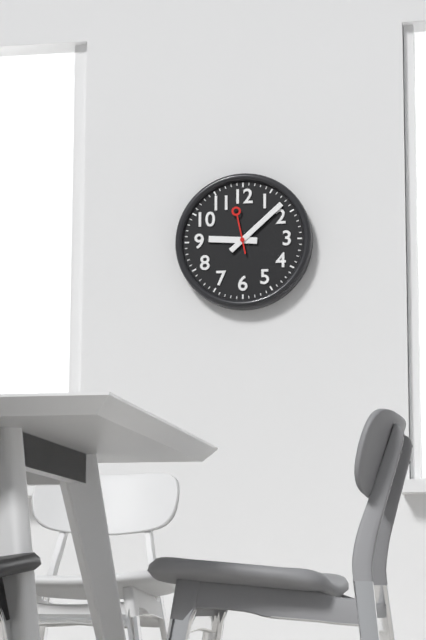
9,08
